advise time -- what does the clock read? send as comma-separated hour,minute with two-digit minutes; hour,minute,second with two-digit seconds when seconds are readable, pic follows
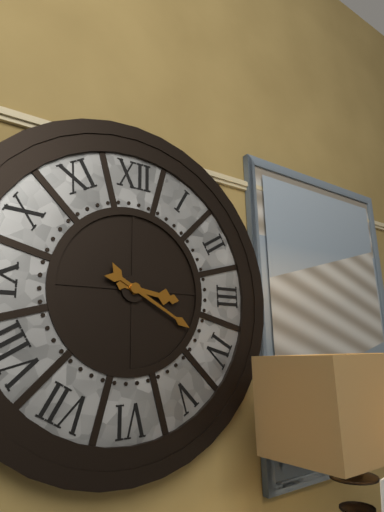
3,20
